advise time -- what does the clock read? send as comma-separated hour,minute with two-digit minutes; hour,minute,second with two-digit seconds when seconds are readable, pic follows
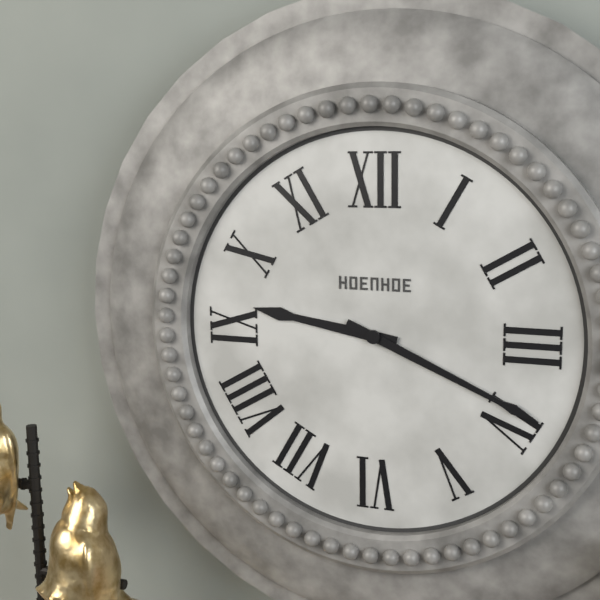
9,19
